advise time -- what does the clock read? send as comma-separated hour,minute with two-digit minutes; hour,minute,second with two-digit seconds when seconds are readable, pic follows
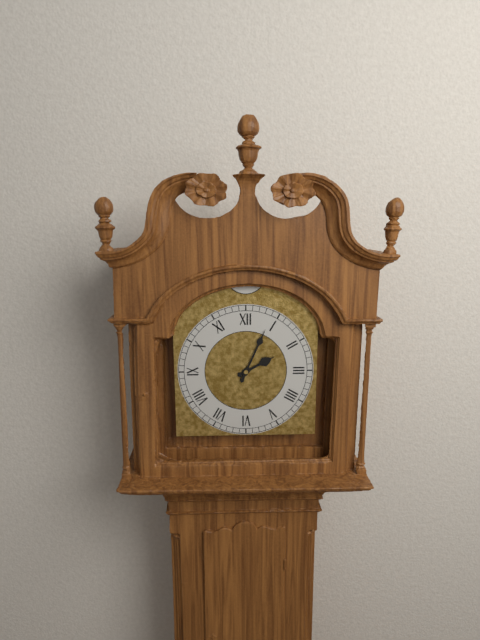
2,04
